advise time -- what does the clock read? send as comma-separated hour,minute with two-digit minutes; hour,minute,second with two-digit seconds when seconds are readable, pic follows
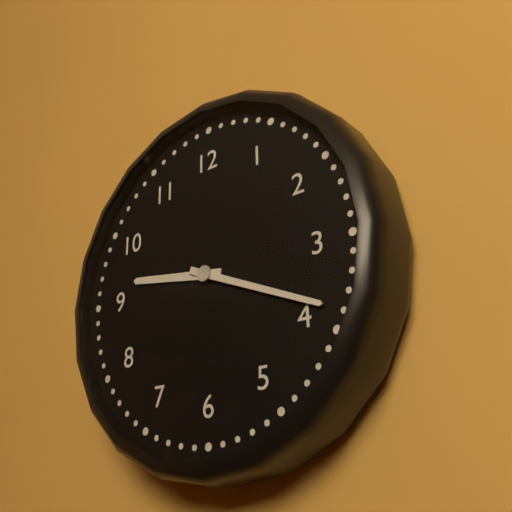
9,19
